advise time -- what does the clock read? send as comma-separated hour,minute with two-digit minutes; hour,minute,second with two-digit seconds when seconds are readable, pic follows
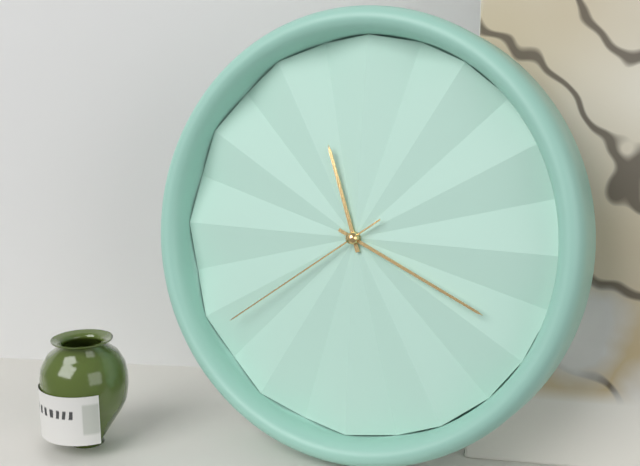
11,19,39
